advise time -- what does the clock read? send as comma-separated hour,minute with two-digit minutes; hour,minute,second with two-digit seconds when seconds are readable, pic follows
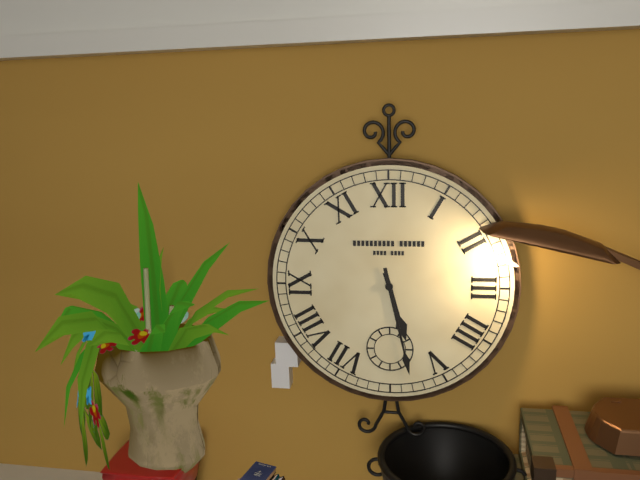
5,28
